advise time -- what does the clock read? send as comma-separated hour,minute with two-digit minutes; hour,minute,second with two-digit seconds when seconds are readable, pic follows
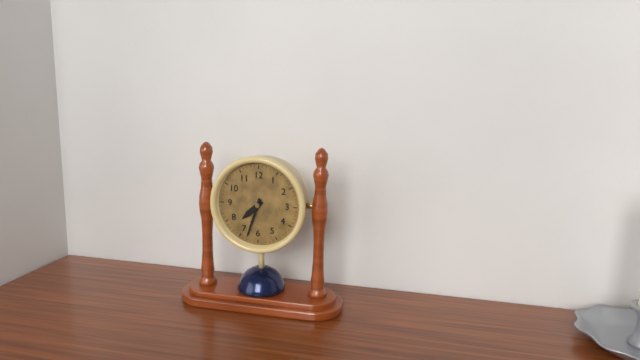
7,33
